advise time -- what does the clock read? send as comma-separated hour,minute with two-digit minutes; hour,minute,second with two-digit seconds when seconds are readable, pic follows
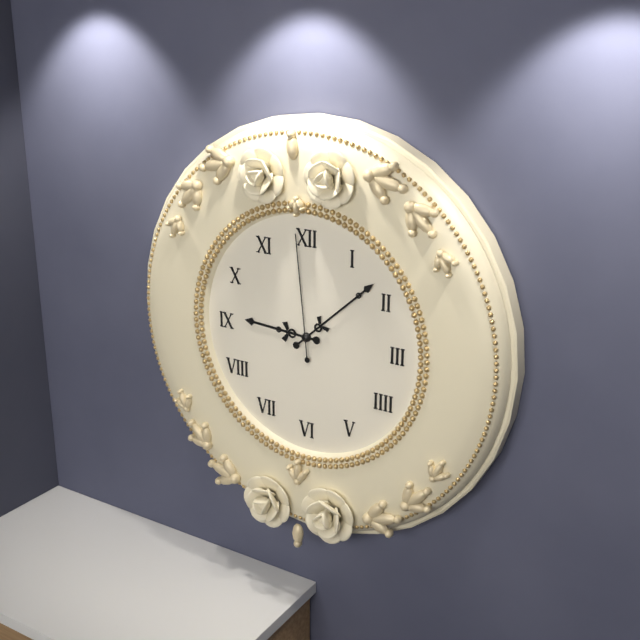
9,08,59
